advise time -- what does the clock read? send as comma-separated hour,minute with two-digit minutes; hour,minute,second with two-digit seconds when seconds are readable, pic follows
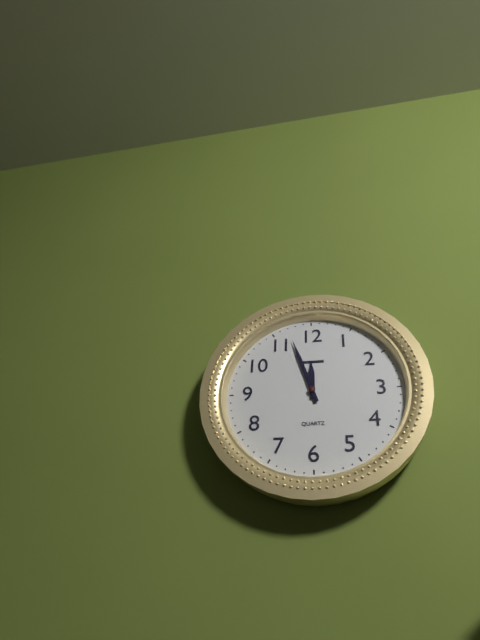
11,57
